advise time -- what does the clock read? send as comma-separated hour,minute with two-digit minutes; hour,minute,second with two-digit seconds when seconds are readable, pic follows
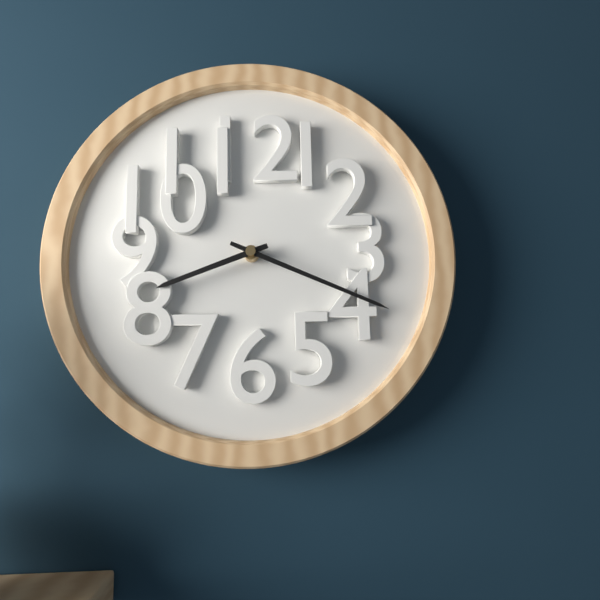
8,19
